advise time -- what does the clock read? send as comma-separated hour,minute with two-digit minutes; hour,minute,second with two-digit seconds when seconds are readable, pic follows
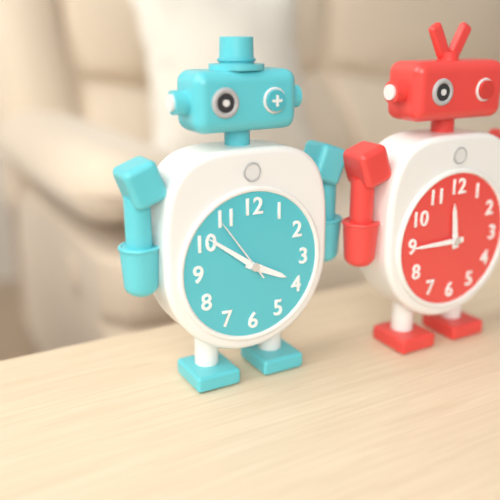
3,51,54
